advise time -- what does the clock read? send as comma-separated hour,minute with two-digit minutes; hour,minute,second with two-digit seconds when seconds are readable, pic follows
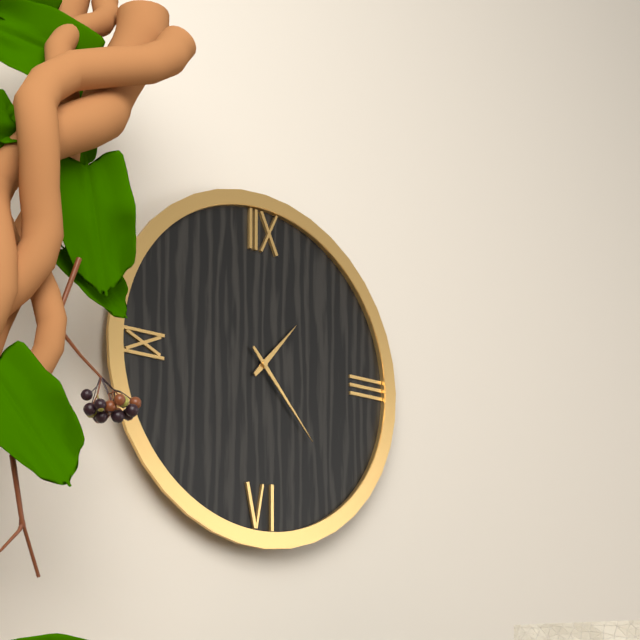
1,23
